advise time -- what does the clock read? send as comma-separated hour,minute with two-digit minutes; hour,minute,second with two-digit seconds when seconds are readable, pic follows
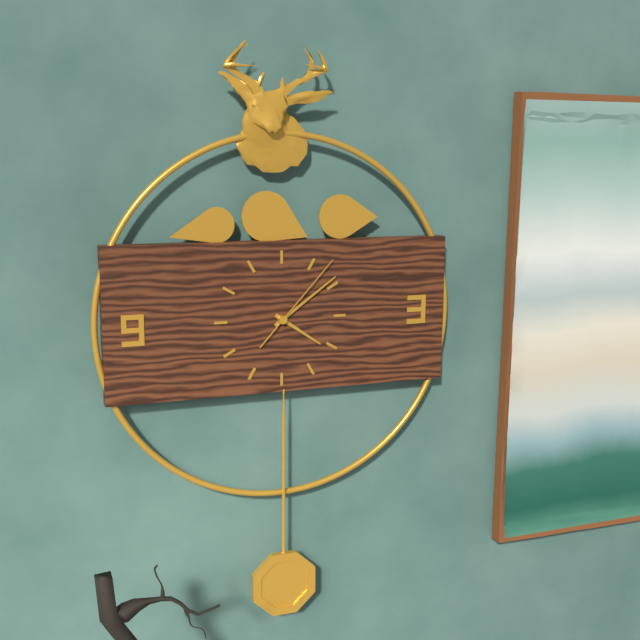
4,09,07
